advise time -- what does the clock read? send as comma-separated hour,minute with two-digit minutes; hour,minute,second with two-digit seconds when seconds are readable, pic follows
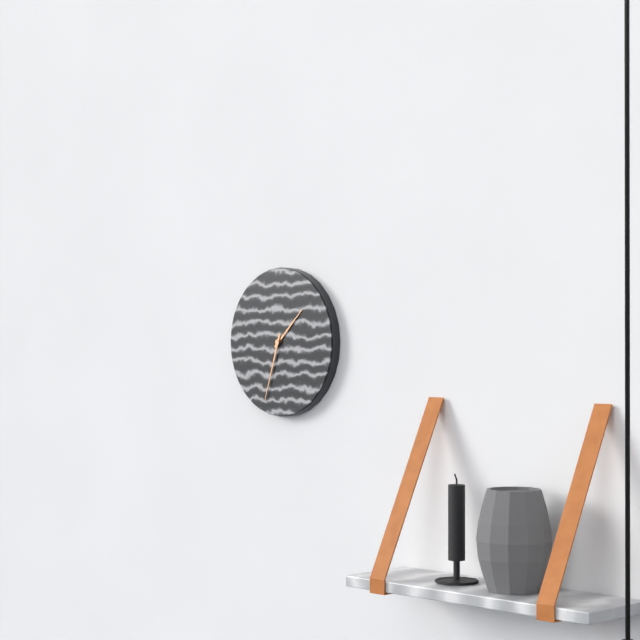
1,33
